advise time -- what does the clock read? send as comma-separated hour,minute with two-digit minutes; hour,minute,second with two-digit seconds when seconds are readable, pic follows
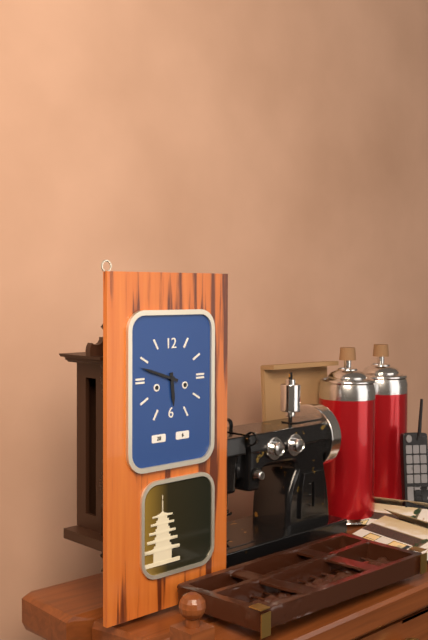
5,48
